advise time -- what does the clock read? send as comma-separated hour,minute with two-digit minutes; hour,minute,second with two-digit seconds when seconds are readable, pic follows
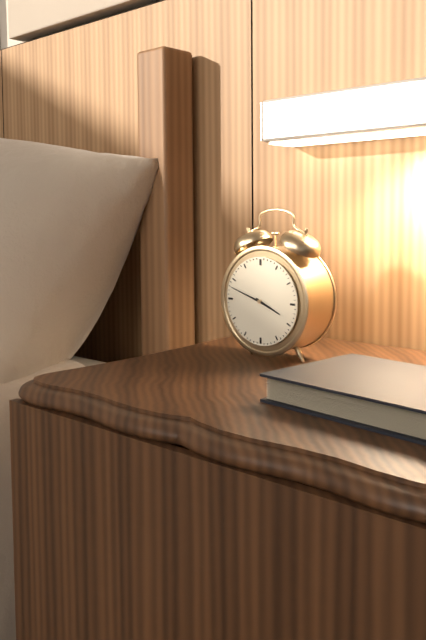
3,48
